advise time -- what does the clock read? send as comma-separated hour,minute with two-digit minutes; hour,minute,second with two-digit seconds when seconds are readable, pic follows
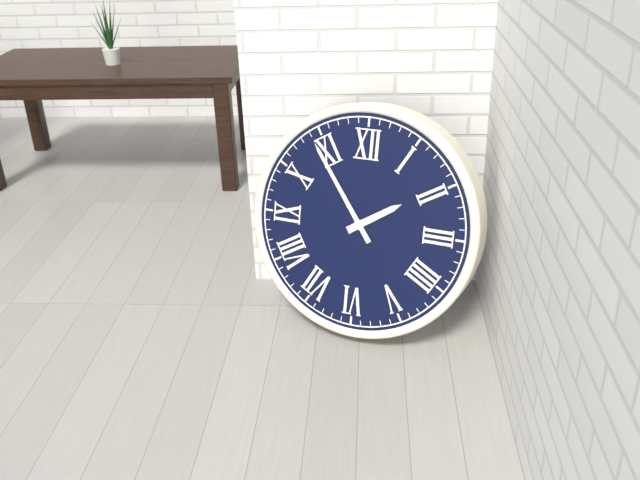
1,54
